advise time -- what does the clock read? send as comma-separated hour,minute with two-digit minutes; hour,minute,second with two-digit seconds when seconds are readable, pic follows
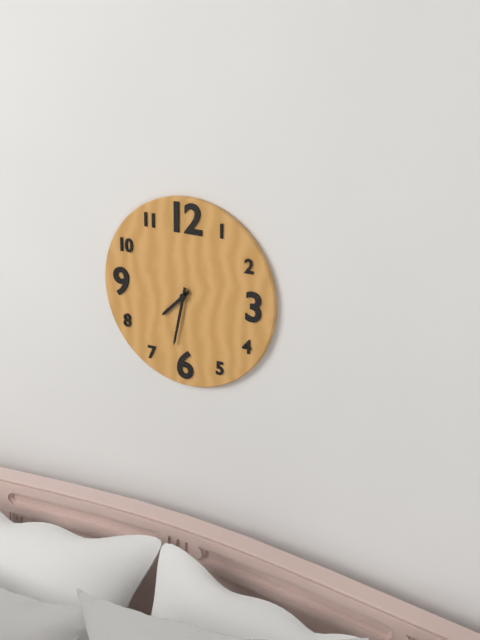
7,32
